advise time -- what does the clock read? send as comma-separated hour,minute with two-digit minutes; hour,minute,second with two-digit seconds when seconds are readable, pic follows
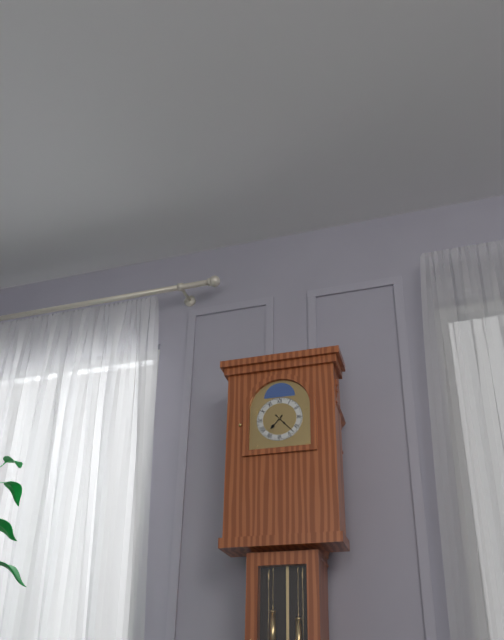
7,23
